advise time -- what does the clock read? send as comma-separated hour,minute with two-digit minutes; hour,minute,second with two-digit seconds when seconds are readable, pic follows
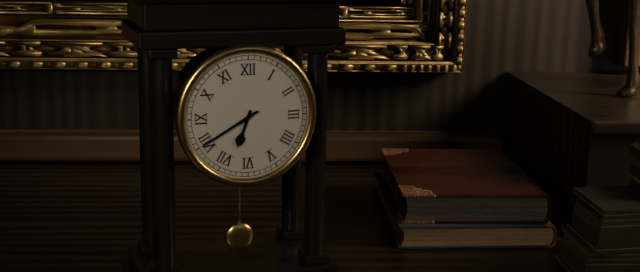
6,40
